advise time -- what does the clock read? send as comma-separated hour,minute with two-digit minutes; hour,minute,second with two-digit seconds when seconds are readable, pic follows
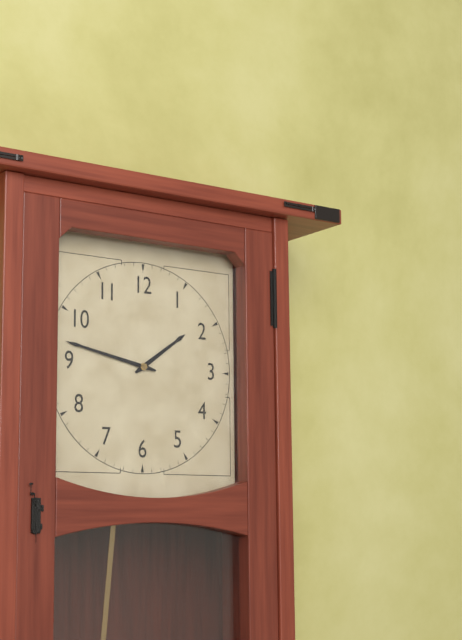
1,47
